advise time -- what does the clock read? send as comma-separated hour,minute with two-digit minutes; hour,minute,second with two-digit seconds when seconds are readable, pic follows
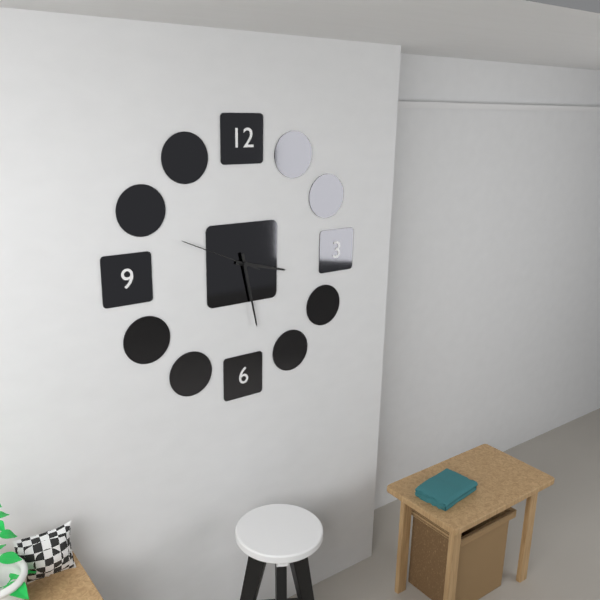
3,28,49
